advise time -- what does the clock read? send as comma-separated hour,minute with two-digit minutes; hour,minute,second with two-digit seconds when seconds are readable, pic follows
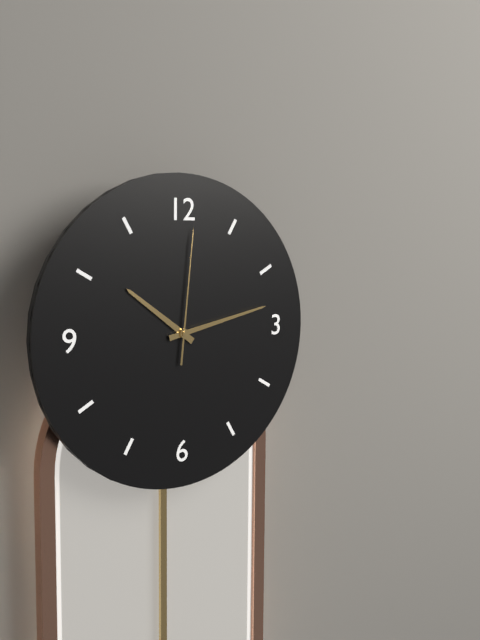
10,13,01
